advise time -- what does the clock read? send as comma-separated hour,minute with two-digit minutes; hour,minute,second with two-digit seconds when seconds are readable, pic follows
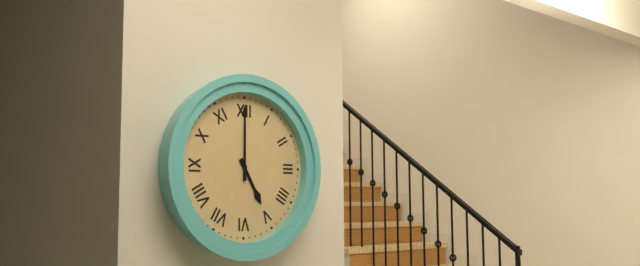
5,00
